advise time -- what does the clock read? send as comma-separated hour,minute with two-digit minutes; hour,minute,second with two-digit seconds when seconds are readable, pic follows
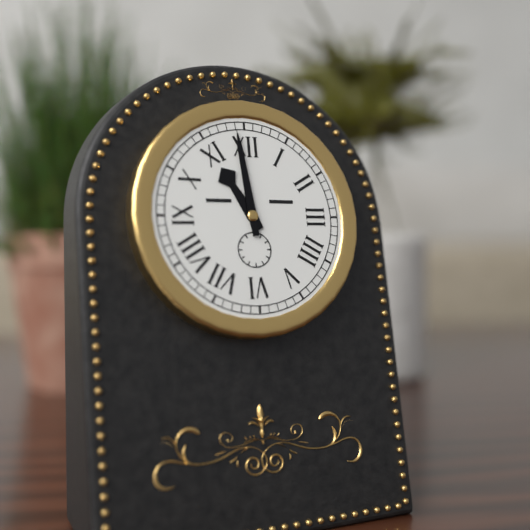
10,59
